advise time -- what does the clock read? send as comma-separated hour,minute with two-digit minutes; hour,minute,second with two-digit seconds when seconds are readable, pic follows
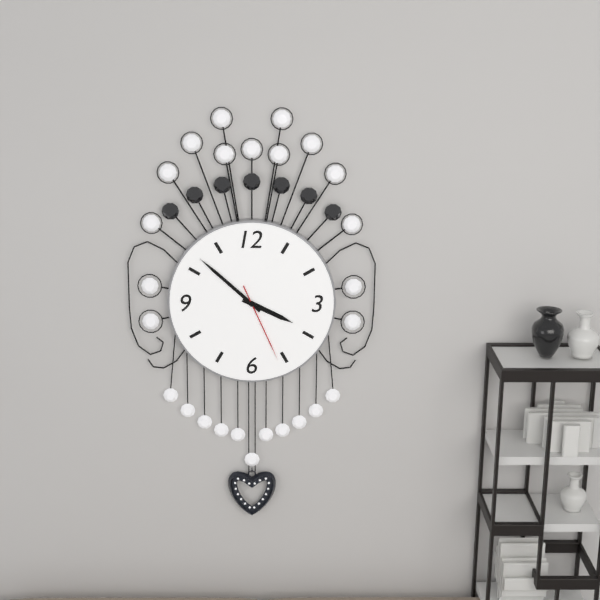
3,52,26
